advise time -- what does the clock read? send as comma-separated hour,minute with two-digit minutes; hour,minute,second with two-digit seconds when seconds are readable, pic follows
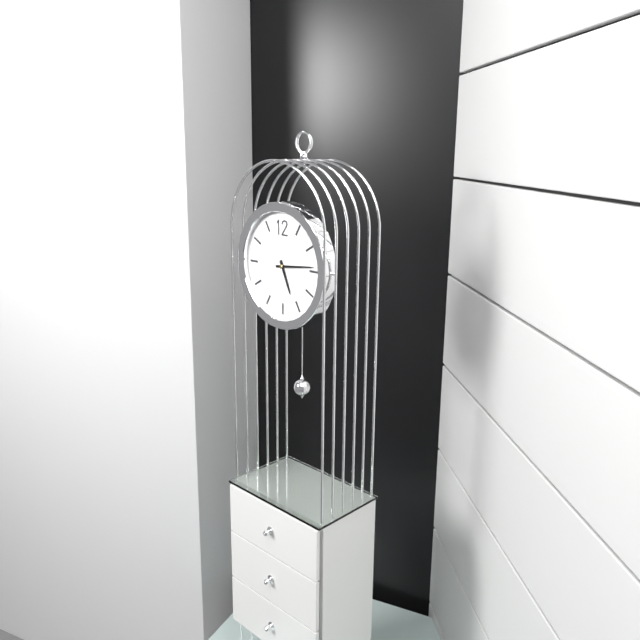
5,14
